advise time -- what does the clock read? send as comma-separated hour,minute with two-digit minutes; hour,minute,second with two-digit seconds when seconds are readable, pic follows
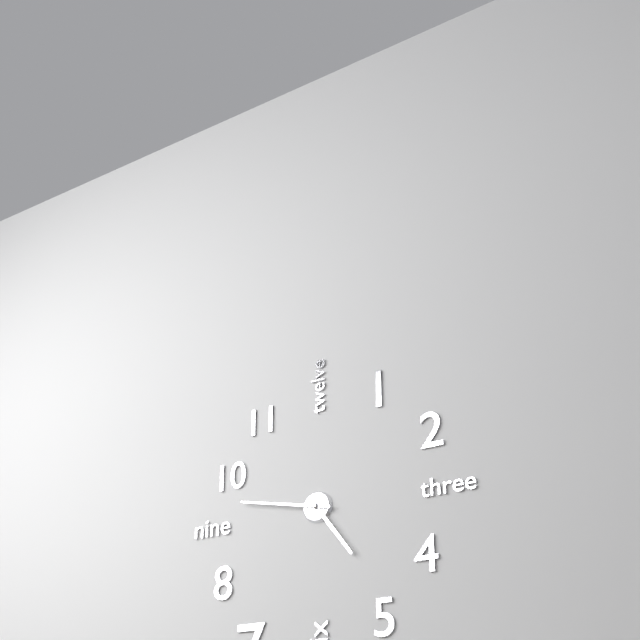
4,47
